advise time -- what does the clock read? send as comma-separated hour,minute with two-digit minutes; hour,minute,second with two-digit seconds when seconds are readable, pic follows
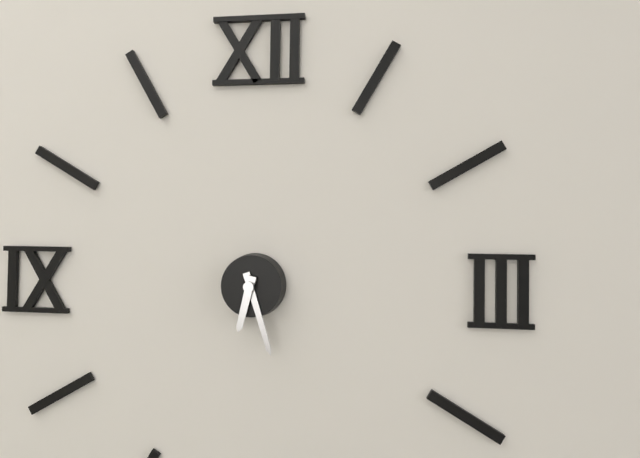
6,27
